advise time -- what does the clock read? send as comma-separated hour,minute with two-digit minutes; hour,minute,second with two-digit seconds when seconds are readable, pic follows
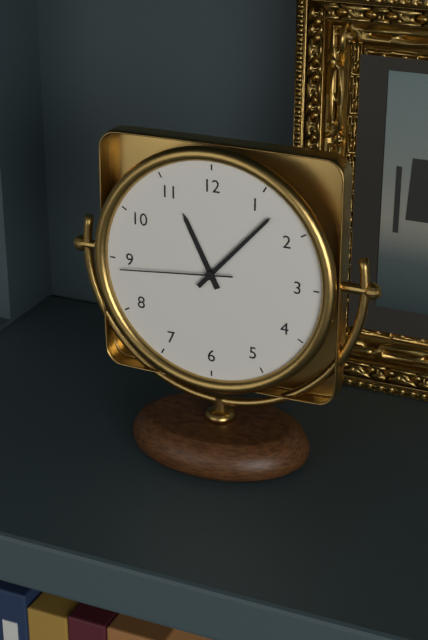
11,07,44
